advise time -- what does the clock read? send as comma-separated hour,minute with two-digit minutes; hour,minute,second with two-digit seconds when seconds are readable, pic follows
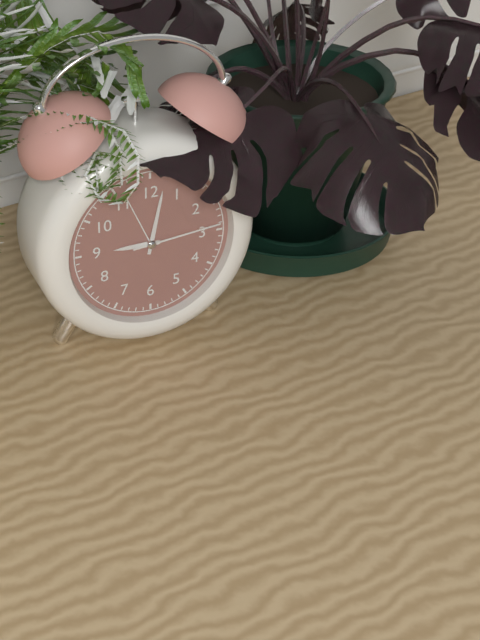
9,02
